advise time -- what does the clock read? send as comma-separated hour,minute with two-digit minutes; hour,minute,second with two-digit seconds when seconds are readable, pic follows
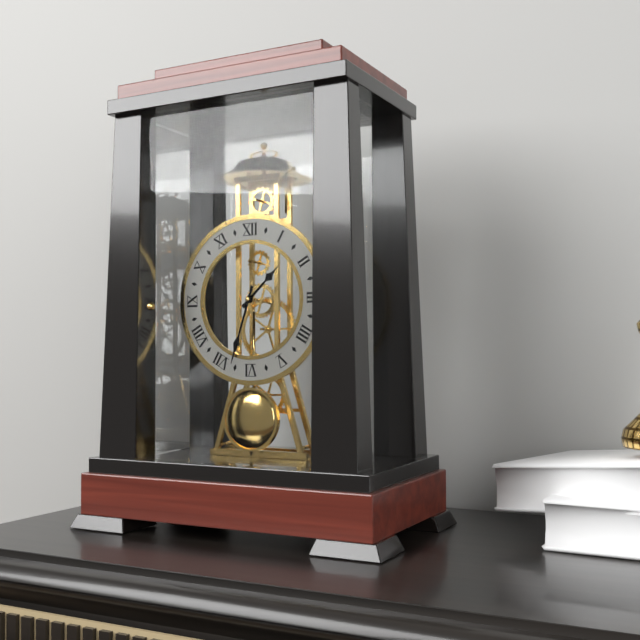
1,33
